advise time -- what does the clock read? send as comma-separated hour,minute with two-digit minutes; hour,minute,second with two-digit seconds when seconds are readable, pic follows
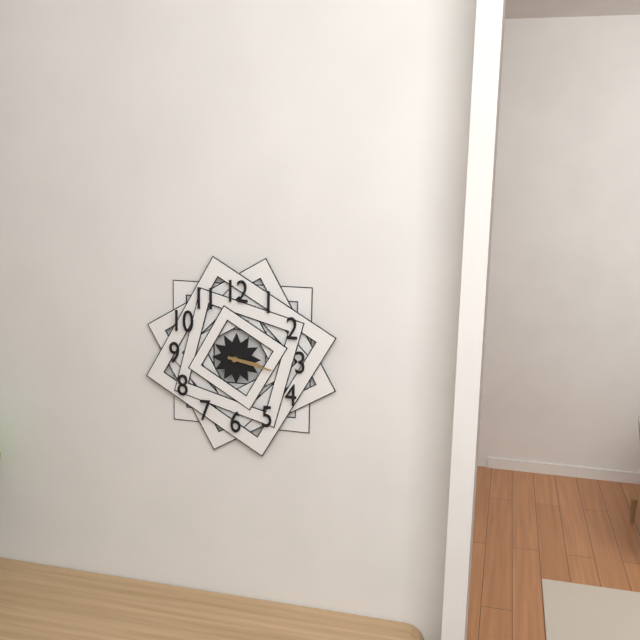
3,17
